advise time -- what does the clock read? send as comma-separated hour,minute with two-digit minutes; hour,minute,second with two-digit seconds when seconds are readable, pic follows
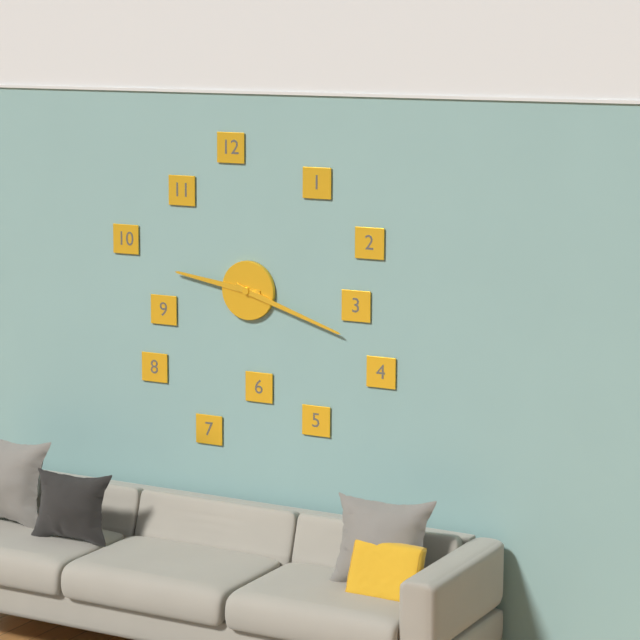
9,18
